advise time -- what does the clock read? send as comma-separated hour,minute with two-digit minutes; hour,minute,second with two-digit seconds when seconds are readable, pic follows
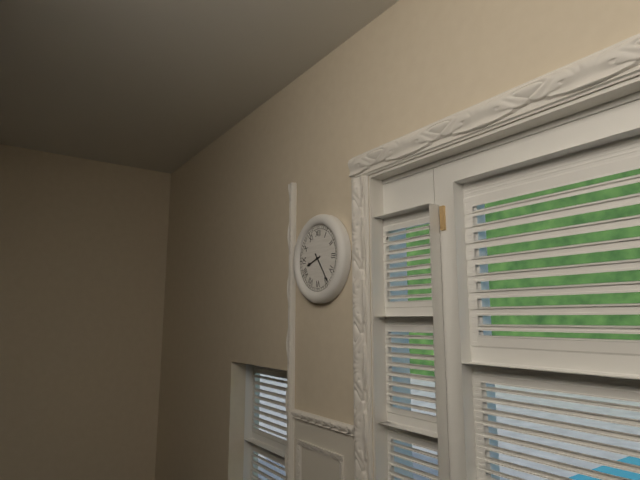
8,24
